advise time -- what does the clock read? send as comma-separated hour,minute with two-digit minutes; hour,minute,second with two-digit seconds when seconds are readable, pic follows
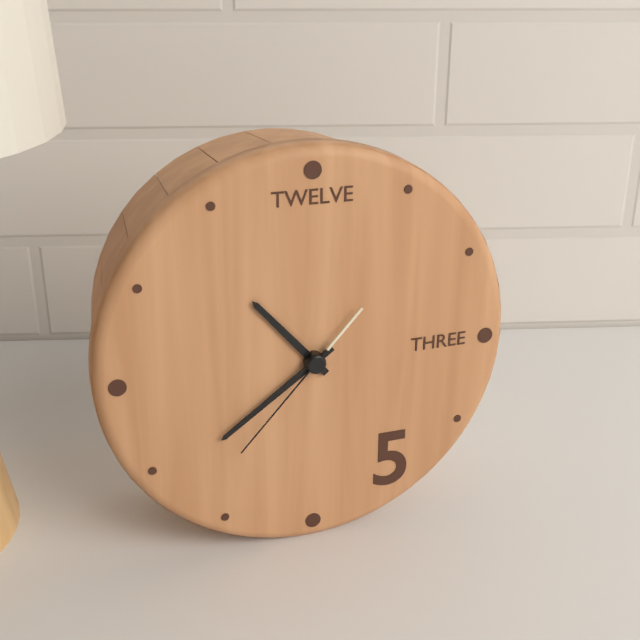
10,39,37
